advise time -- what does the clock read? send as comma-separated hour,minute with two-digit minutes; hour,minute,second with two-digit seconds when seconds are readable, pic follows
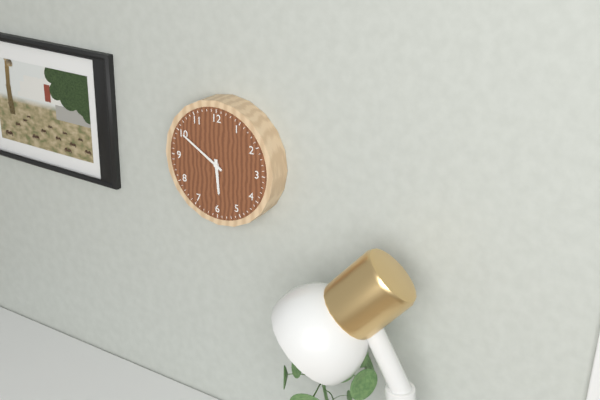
5,50
